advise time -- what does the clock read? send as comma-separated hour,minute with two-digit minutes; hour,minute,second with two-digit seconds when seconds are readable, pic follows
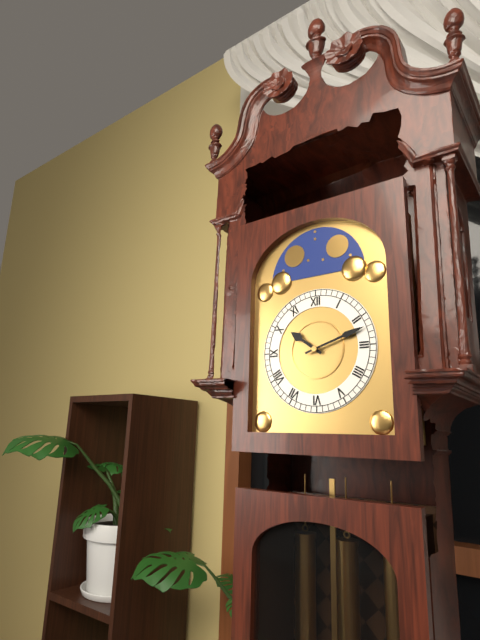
10,12
